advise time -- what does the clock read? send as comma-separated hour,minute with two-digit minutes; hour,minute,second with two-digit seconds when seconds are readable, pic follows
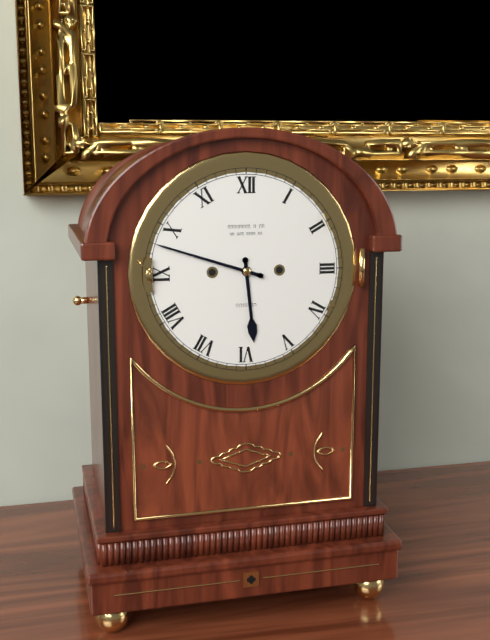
5,48
